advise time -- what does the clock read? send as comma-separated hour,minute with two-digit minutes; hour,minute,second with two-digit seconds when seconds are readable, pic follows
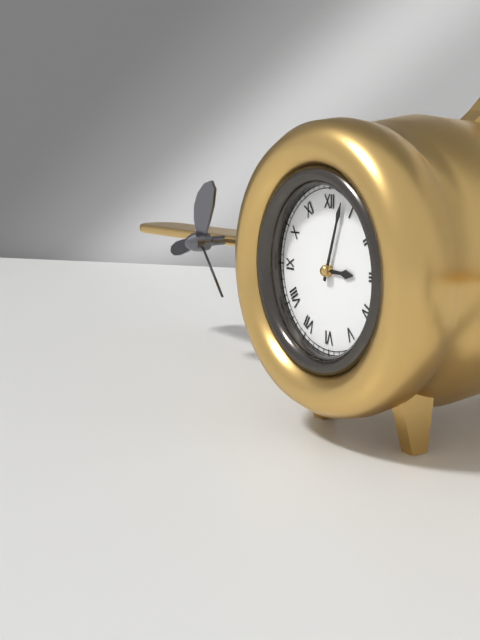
3,03
